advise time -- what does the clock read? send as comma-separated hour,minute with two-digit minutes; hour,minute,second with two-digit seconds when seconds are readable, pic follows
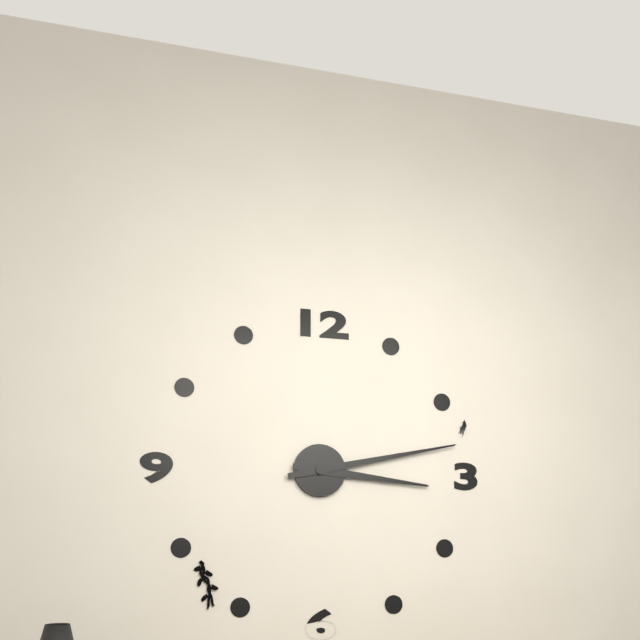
3,13
